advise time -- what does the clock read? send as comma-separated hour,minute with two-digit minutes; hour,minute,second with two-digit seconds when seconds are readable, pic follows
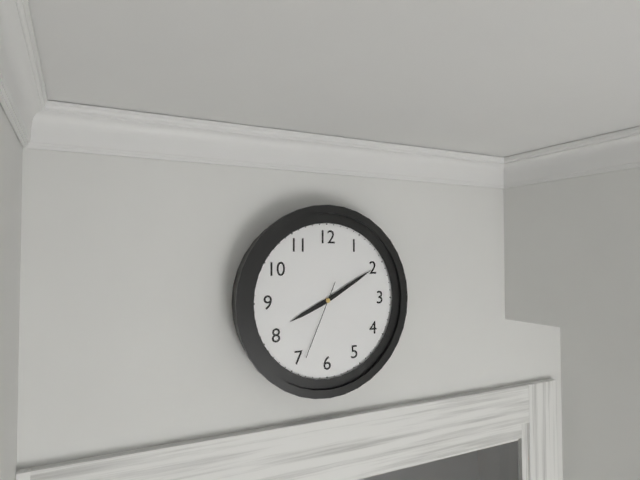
8,10,34
